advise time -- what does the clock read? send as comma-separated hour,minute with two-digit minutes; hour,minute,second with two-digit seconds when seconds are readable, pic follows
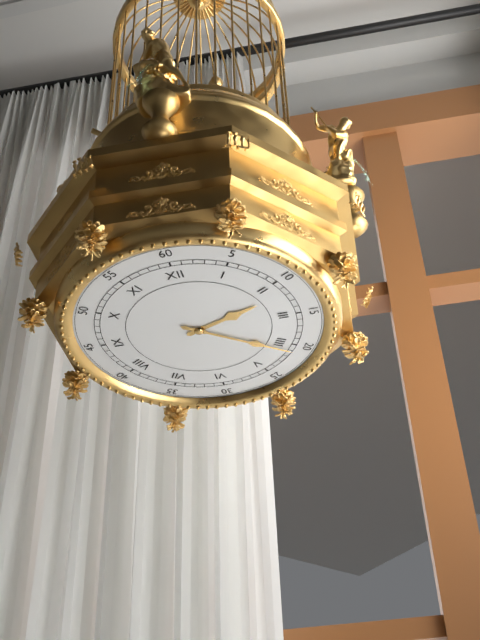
2,21
